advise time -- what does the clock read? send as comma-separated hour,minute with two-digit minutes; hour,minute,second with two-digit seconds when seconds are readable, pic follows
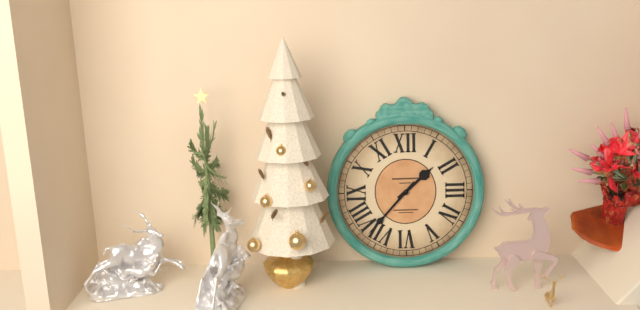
1,37
